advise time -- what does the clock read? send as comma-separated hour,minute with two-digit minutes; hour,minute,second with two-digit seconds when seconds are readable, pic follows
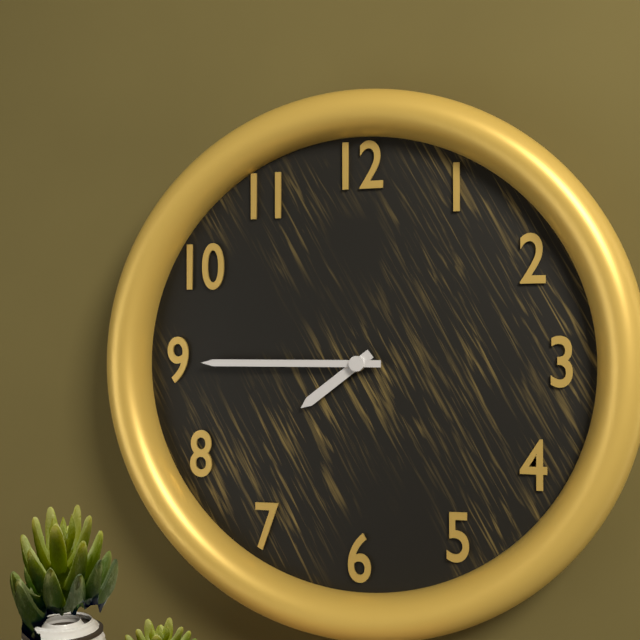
7,45
